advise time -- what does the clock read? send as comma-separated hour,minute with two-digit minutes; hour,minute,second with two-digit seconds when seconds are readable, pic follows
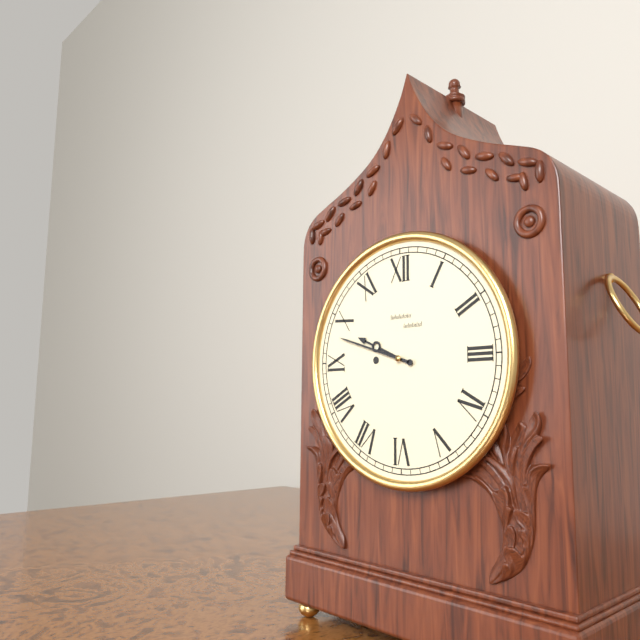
9,48
